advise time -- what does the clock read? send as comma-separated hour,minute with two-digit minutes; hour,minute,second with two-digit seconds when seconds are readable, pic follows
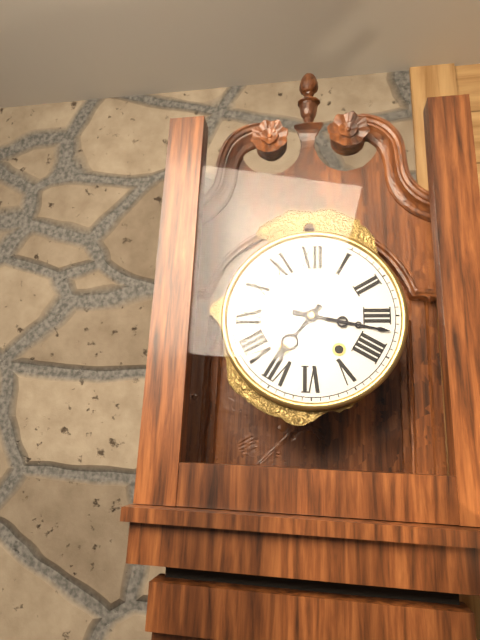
7,17
